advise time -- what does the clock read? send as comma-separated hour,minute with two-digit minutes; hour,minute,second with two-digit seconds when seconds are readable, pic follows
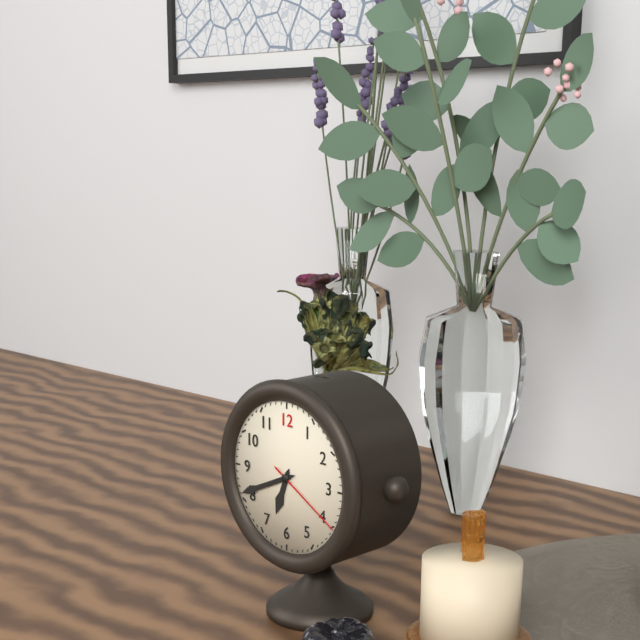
6,41,20
